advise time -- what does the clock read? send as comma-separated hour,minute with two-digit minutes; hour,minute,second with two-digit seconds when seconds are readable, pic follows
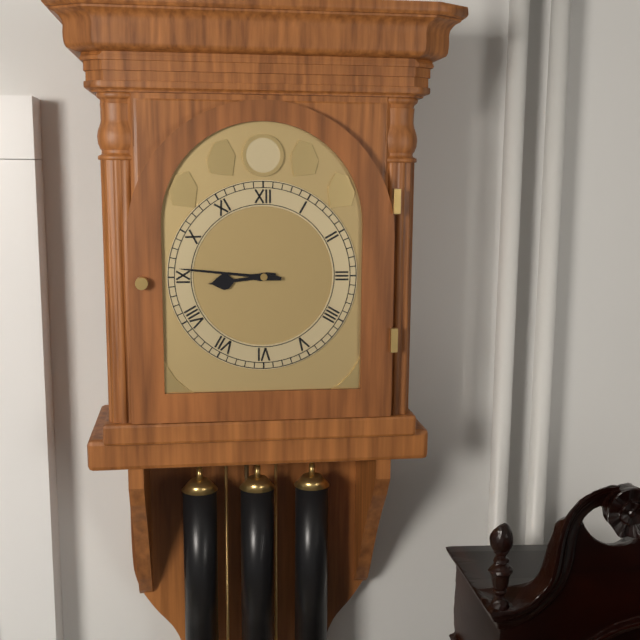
8,46
